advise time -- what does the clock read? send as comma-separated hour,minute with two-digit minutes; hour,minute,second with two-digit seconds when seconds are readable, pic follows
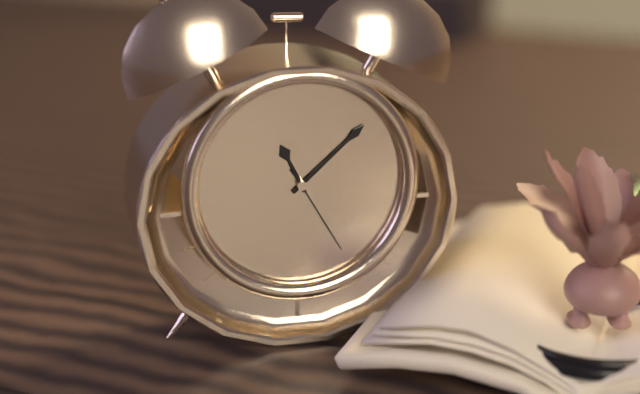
11,08,25
